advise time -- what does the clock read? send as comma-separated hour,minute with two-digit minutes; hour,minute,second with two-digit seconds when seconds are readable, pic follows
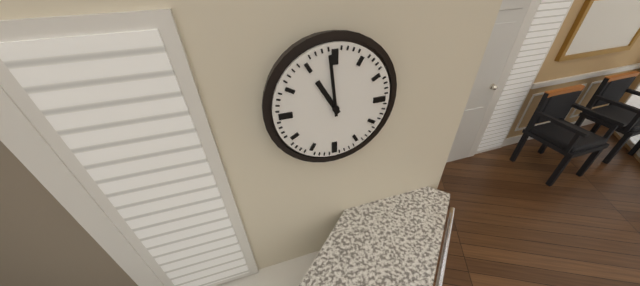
10,59
